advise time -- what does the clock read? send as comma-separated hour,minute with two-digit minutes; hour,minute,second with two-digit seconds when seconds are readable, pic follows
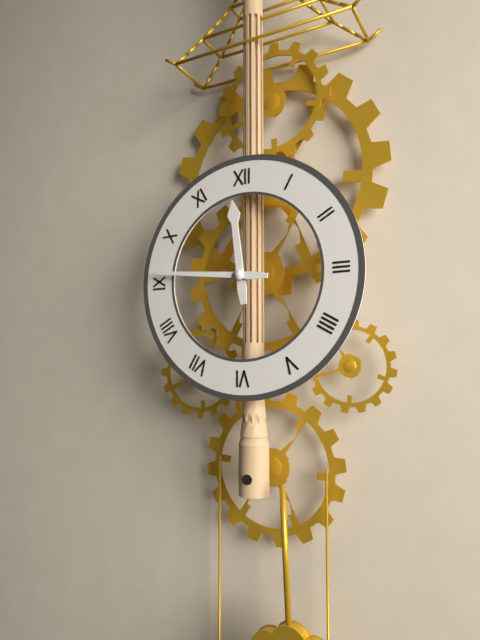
11,46
